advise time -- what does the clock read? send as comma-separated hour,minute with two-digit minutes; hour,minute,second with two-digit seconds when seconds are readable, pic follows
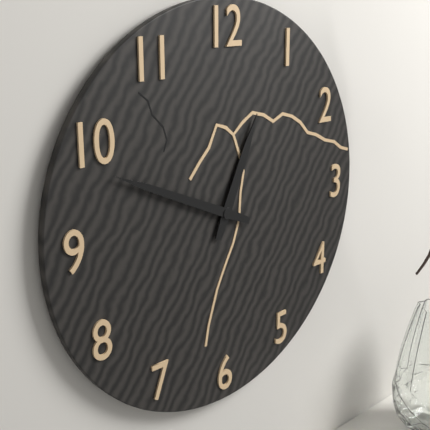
12,49
